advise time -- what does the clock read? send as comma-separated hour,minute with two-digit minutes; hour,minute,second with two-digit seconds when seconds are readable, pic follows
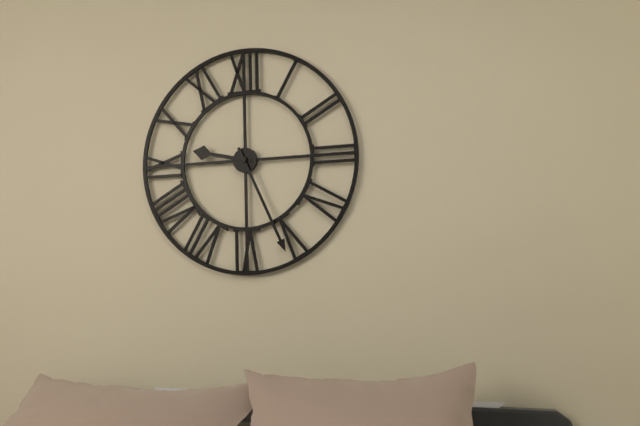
9,26
